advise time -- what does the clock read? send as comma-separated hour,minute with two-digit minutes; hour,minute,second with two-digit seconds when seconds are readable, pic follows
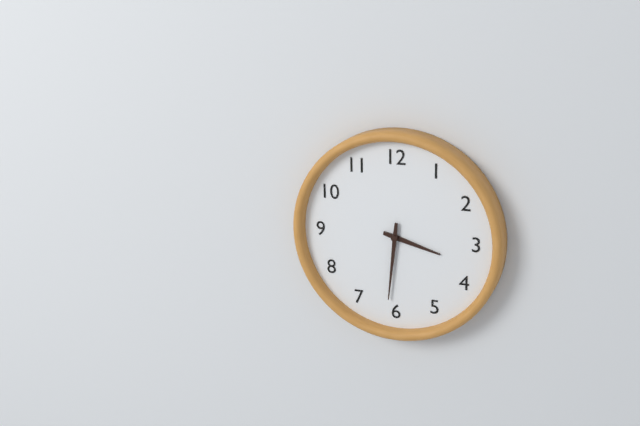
3,31
